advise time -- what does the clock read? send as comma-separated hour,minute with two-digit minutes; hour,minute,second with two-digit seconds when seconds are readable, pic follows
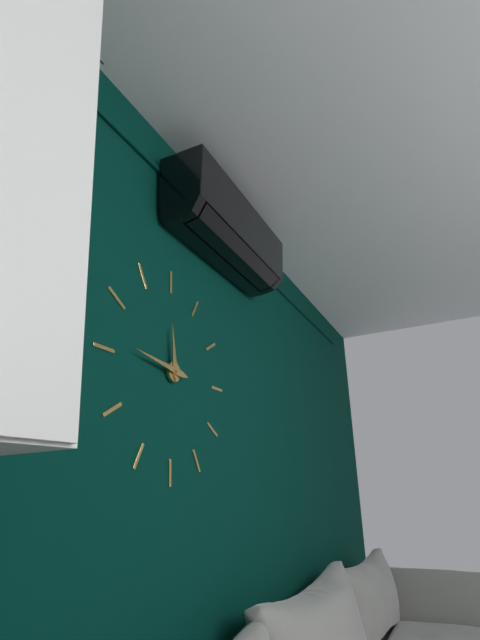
11,46
